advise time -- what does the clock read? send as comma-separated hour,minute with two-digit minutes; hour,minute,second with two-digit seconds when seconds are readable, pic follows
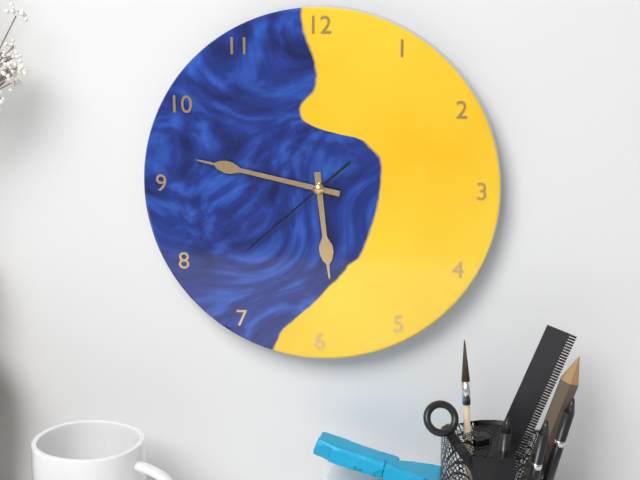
5,47,38
